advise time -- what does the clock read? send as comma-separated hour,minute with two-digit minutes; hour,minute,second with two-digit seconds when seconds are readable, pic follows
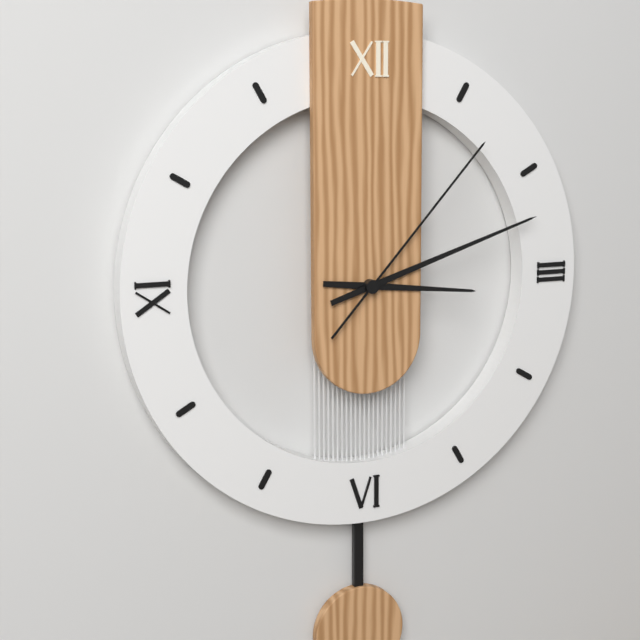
3,12,07
